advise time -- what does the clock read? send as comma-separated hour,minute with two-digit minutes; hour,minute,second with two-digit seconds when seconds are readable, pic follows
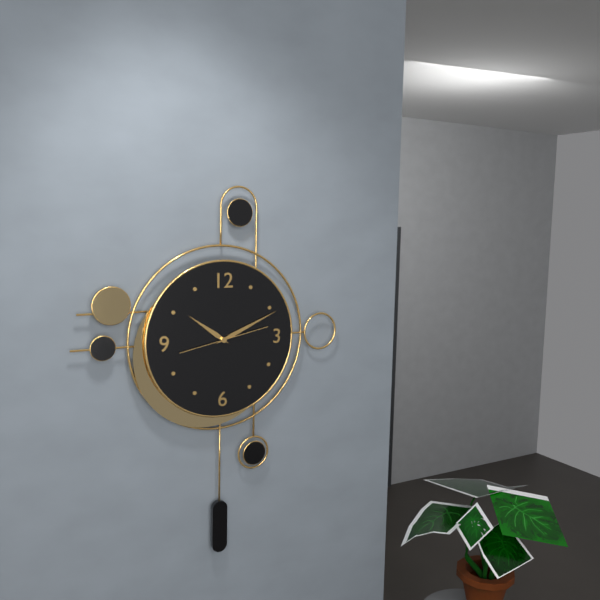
10,11,13
